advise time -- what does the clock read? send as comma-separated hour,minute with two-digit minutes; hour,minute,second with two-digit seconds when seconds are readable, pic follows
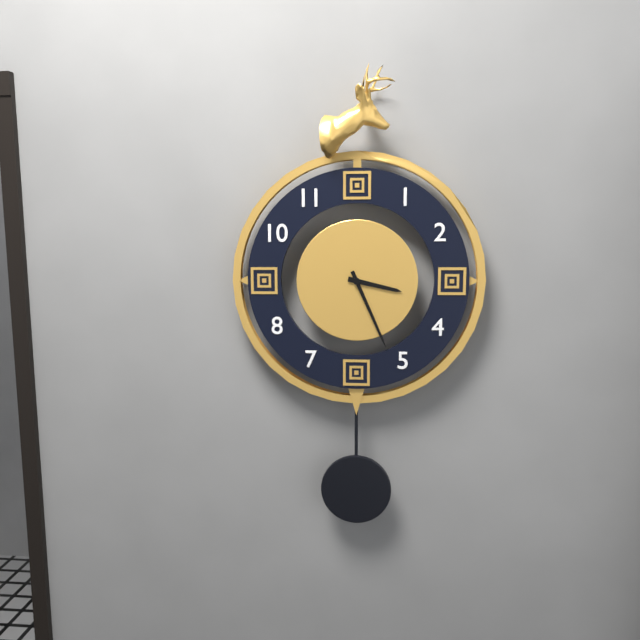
3,26
